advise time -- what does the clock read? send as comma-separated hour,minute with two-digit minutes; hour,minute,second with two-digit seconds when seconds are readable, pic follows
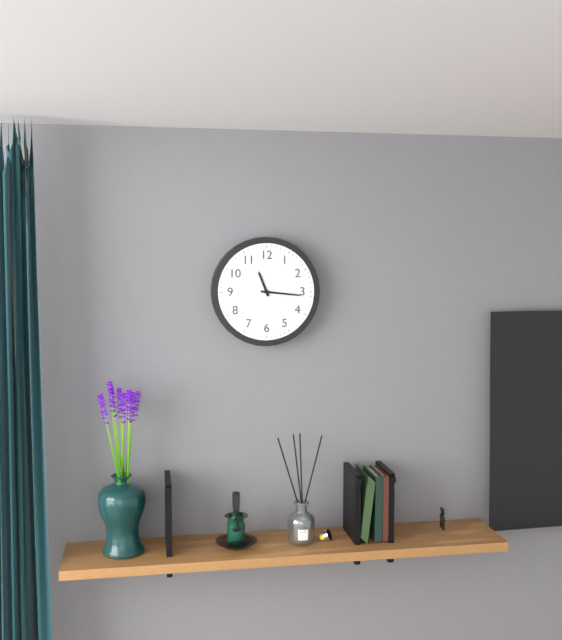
11,16
